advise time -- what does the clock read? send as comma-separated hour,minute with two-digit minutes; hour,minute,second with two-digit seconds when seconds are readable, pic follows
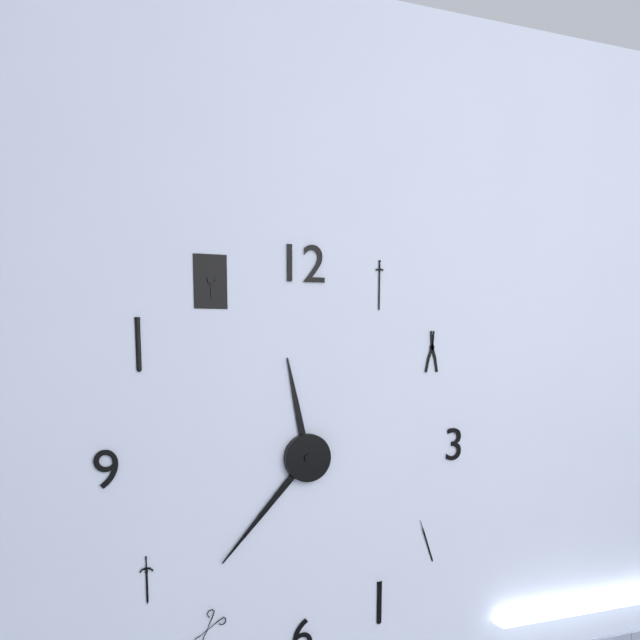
11,37
